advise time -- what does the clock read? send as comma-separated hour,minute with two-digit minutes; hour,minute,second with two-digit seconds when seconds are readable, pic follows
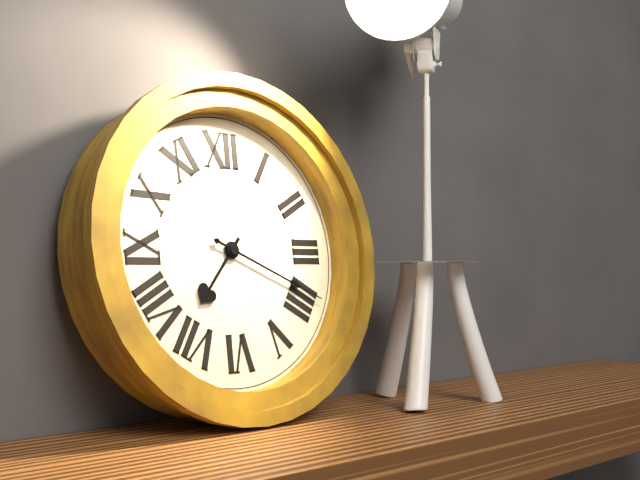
7,19
